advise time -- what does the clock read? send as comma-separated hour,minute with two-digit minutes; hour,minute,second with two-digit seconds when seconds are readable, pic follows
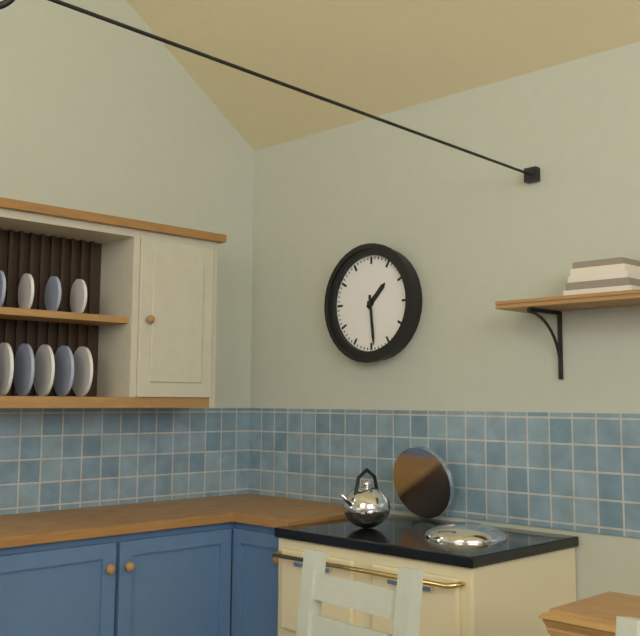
1,29
